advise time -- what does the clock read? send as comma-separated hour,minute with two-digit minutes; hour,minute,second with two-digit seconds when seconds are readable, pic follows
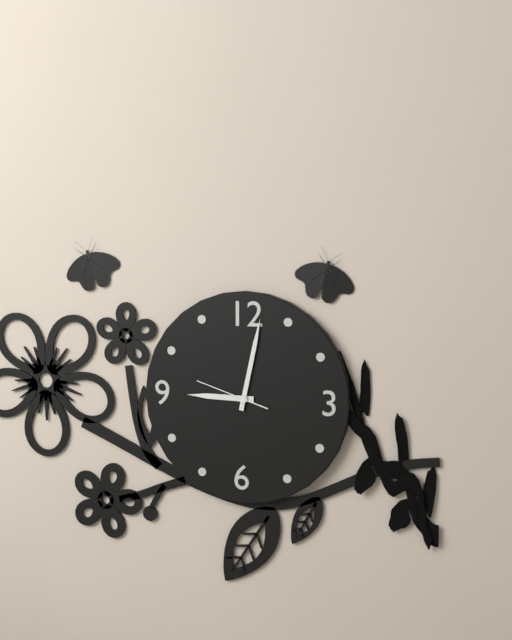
9,02,48
